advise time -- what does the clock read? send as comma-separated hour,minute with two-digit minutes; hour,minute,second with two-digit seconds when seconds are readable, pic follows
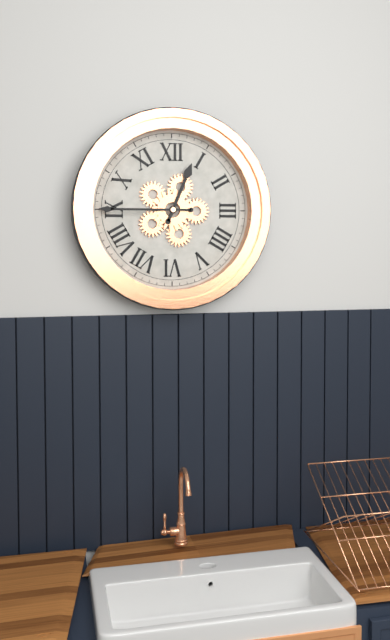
12,45
